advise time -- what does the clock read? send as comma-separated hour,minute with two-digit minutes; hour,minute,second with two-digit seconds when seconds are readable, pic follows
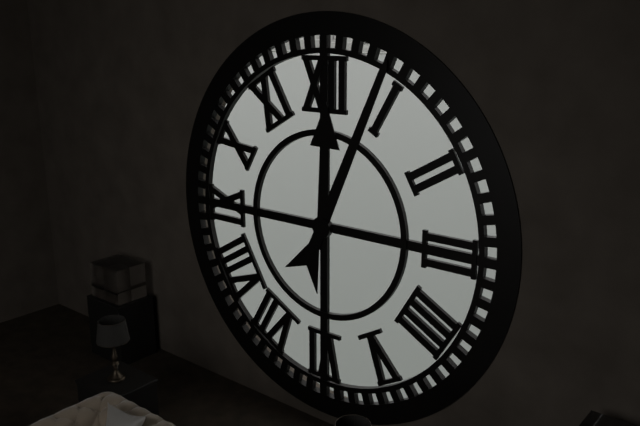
12,04
